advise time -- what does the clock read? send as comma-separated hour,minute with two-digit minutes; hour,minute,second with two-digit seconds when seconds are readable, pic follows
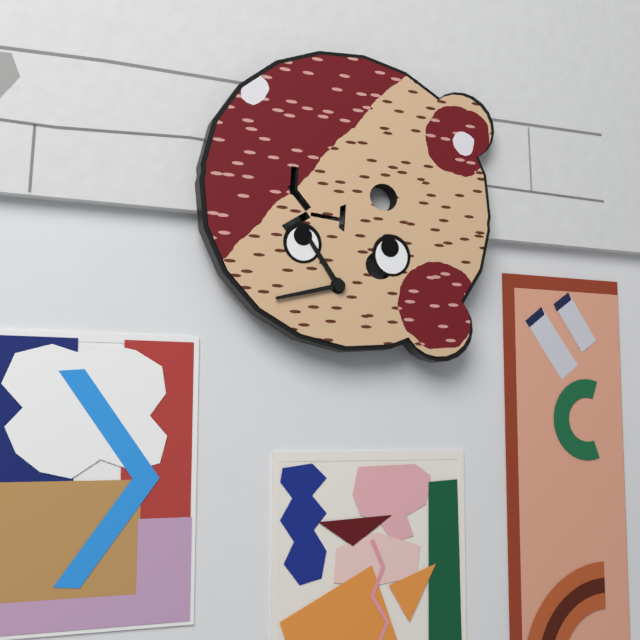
10,42
